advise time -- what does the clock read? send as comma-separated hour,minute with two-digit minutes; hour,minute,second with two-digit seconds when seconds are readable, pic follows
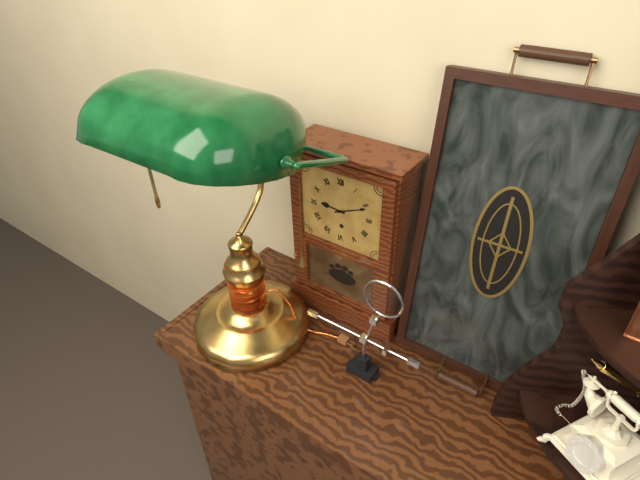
9,11
